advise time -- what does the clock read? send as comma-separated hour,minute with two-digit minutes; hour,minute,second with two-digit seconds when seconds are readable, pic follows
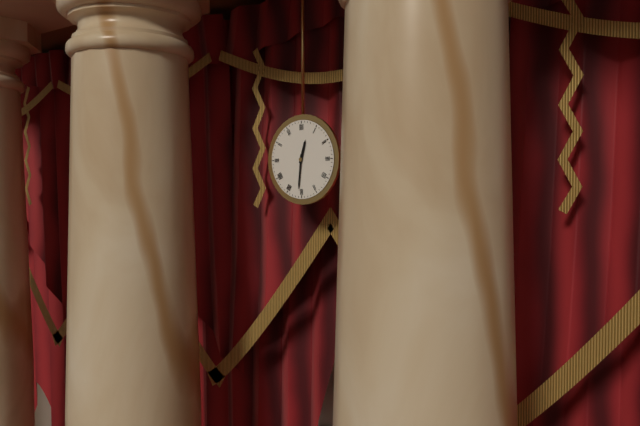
12,31
